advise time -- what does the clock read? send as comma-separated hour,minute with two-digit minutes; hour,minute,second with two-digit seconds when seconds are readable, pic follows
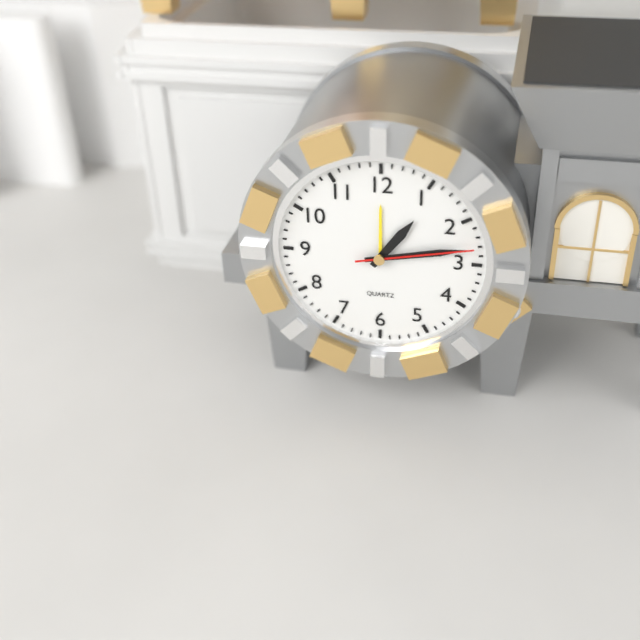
1,13,13
